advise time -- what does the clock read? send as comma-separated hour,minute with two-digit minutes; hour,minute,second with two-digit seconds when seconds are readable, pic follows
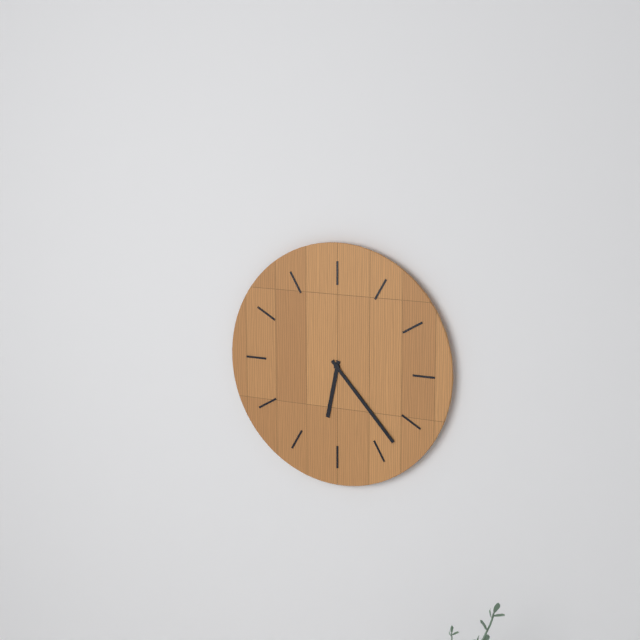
6,23
